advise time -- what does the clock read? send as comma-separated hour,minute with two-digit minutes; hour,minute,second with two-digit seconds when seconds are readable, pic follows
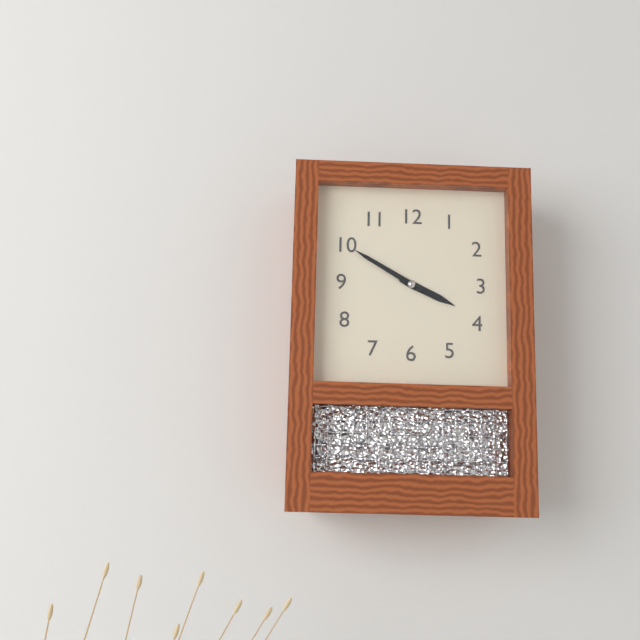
3,50
